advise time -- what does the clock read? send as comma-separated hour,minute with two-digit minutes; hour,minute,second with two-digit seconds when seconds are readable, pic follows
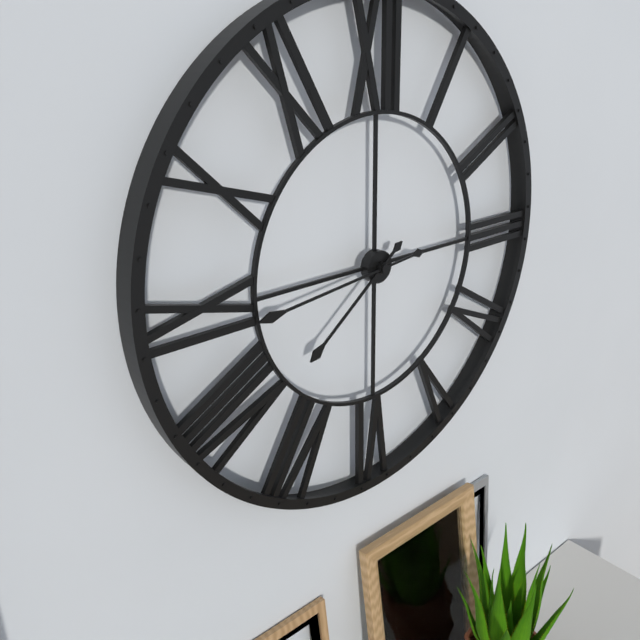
7,44
